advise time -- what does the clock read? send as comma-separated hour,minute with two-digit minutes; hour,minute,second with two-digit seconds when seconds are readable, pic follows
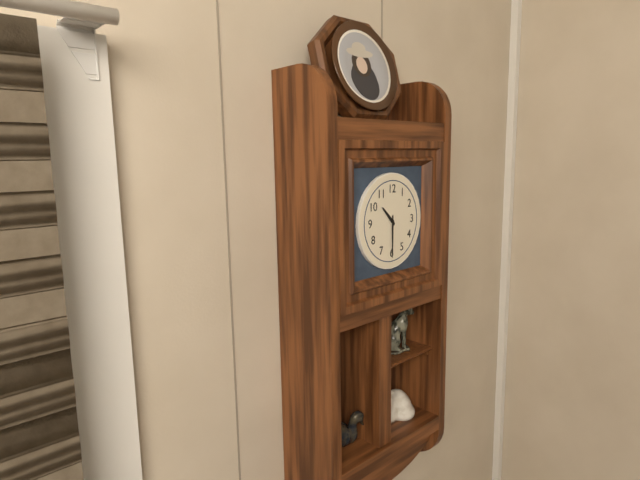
10,30
